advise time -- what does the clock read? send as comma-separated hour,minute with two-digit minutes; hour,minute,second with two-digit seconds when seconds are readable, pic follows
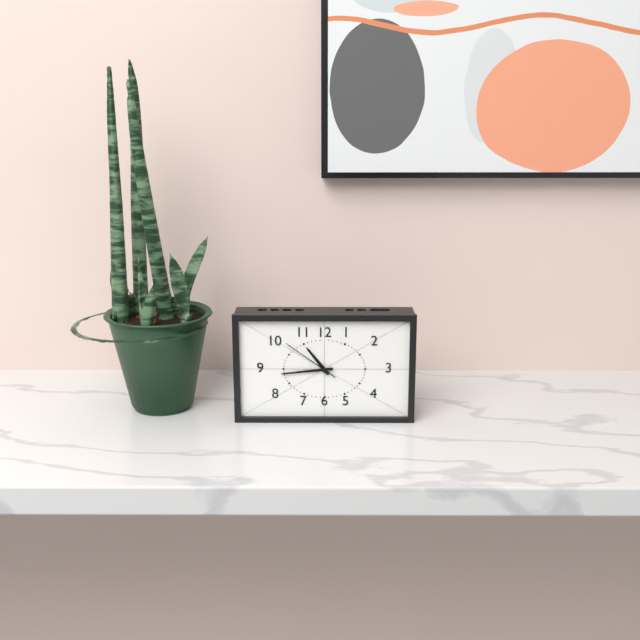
10,44,51
